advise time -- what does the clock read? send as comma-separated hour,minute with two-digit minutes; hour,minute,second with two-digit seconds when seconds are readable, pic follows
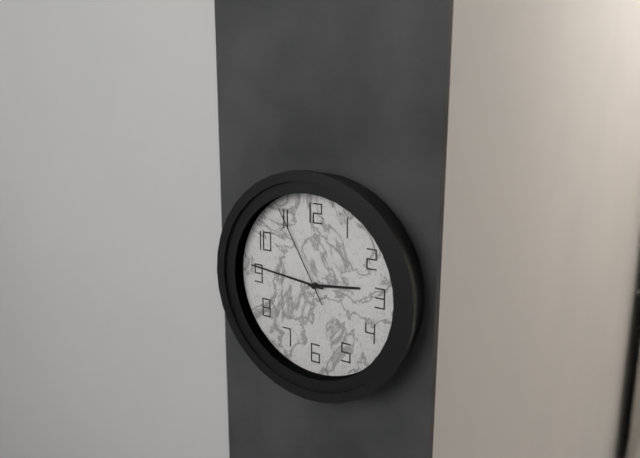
2,46,55
